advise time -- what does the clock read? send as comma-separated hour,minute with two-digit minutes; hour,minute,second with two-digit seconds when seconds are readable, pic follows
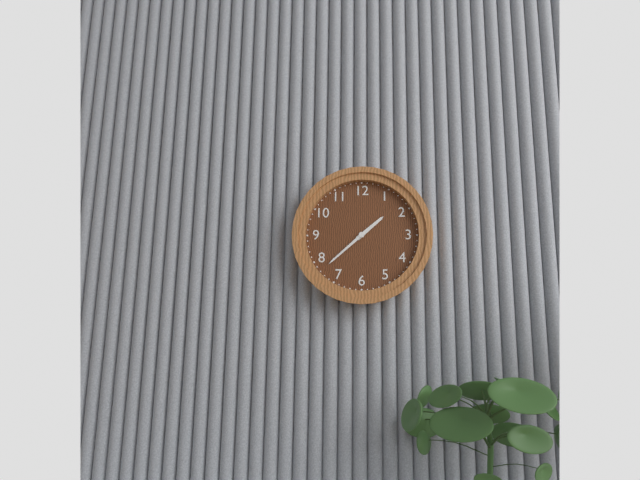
1,38
